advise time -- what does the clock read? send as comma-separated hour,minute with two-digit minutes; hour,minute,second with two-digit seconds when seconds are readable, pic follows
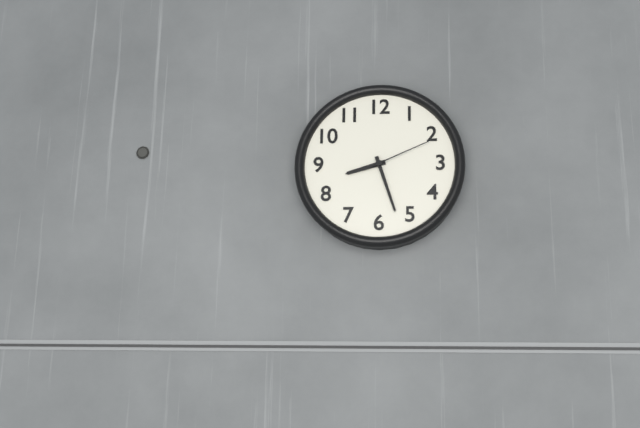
8,27,11
